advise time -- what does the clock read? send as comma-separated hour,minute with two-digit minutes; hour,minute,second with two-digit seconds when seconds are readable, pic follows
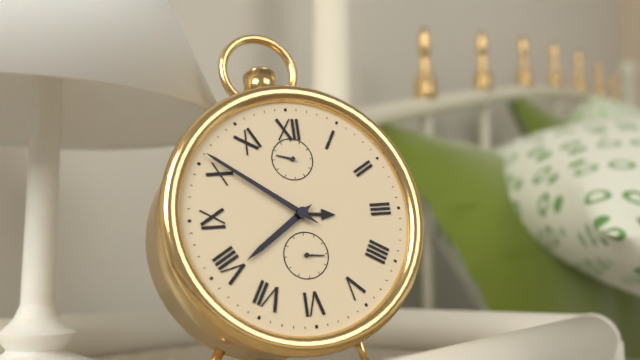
7,51
